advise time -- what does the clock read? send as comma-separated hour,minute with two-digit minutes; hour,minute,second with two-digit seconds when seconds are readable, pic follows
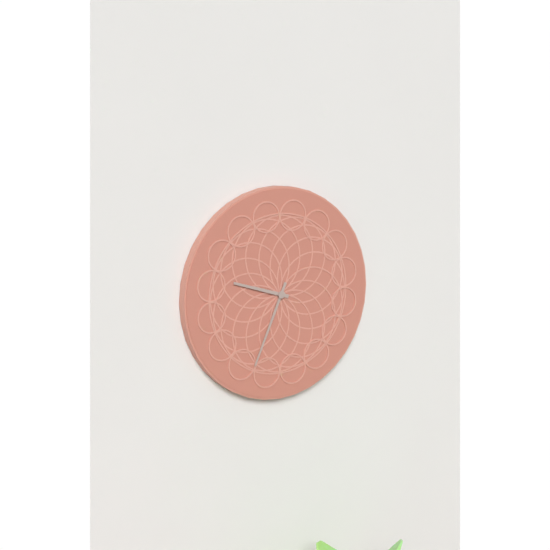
9,34
